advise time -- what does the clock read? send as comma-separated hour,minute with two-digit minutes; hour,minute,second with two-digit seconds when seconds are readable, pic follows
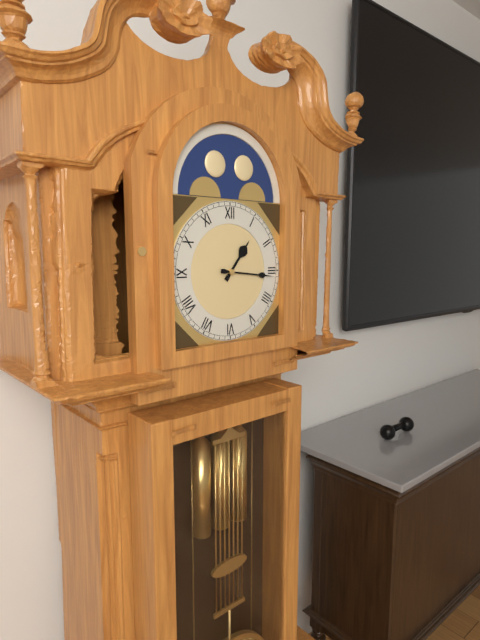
1,16
